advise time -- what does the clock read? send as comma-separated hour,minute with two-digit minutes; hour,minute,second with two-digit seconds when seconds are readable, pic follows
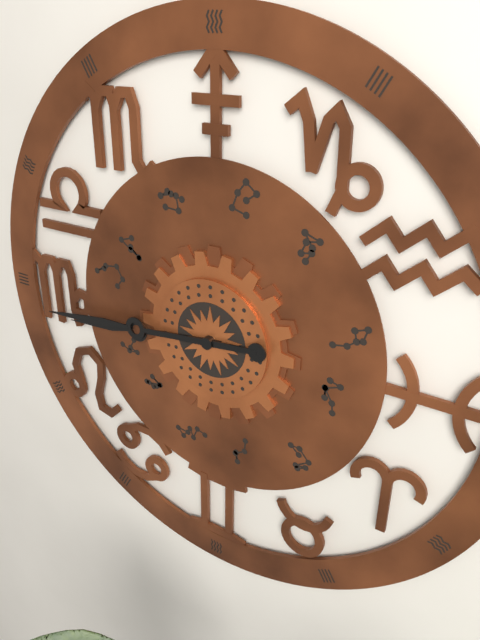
8,44
